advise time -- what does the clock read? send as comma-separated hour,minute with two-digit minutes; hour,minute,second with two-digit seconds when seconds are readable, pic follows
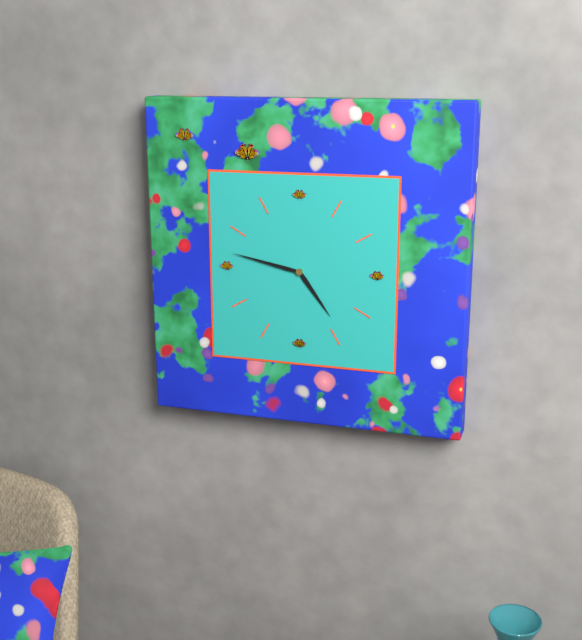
4,47
